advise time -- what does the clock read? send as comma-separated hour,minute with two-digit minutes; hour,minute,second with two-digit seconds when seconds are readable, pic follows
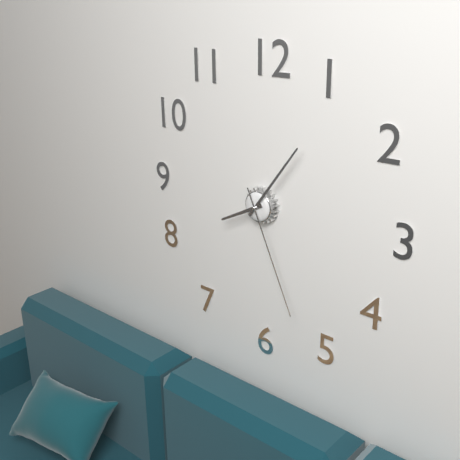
8,06,26
